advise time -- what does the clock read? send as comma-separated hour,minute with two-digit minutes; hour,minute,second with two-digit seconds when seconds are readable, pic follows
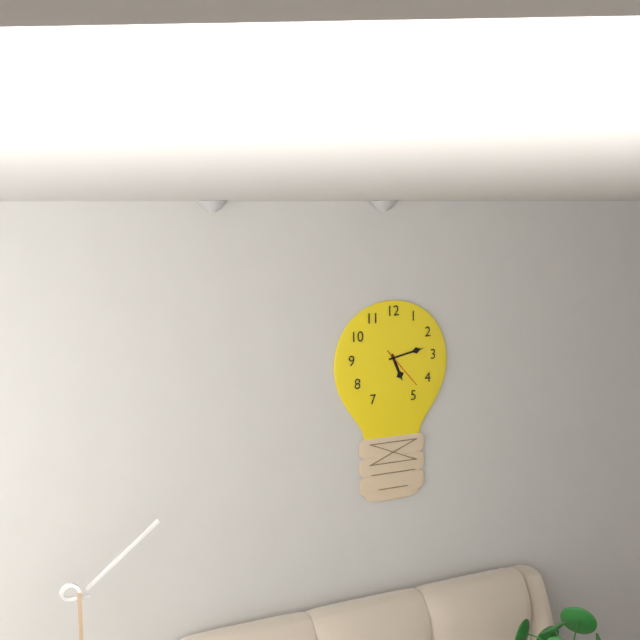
5,13
